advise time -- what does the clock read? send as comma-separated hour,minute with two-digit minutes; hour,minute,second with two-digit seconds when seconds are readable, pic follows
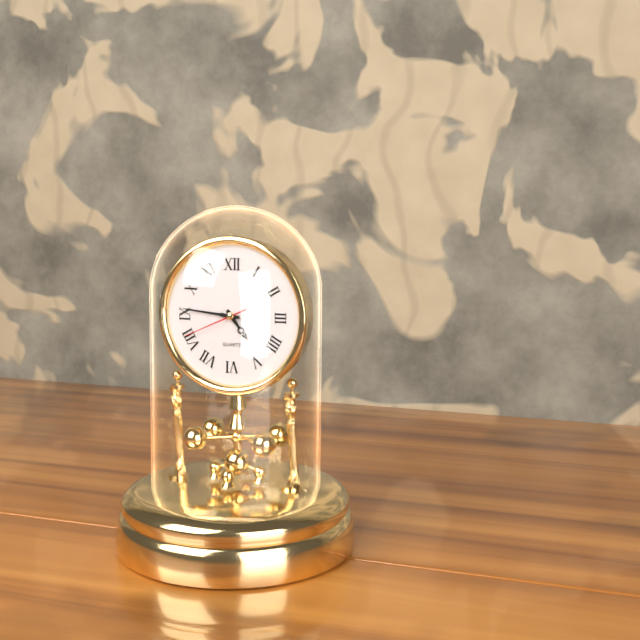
4,46,41
